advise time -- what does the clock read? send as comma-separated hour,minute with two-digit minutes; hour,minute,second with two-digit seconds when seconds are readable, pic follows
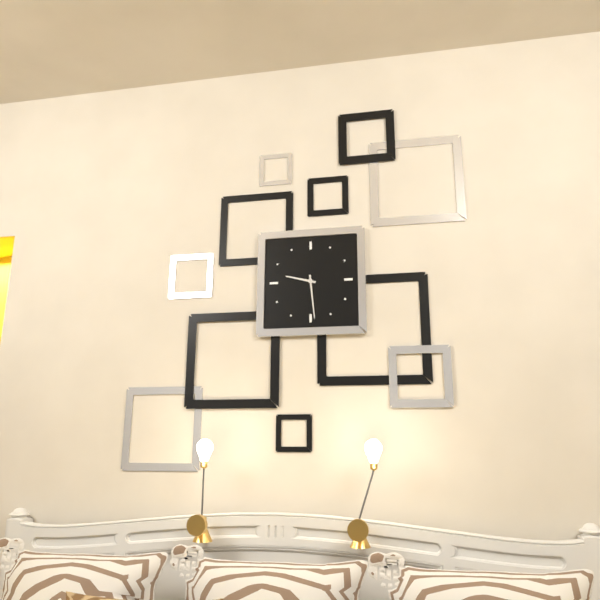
9,29
